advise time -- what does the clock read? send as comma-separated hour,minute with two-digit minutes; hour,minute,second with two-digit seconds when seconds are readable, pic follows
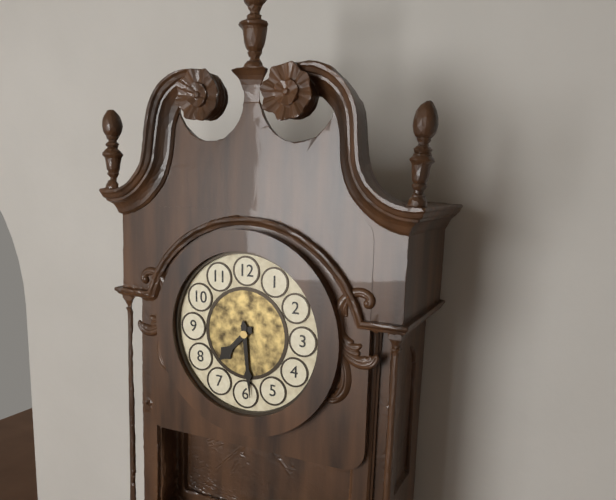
7,29
